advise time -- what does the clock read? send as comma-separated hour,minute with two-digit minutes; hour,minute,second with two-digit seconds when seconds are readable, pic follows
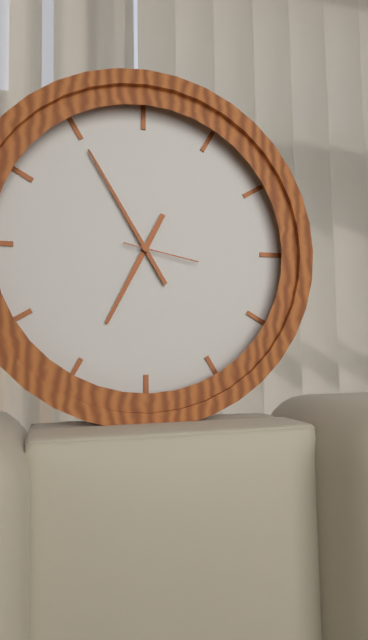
6,55,17
